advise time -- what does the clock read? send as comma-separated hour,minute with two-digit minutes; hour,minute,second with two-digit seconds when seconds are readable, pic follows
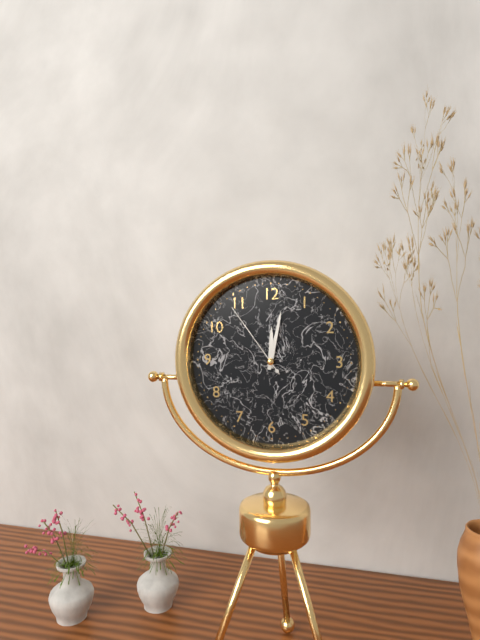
12,02,54
